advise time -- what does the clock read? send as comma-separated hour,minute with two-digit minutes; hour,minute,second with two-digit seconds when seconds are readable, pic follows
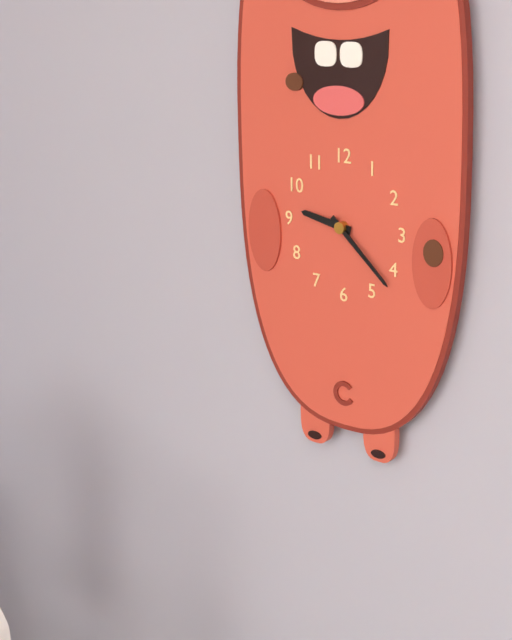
9,22
